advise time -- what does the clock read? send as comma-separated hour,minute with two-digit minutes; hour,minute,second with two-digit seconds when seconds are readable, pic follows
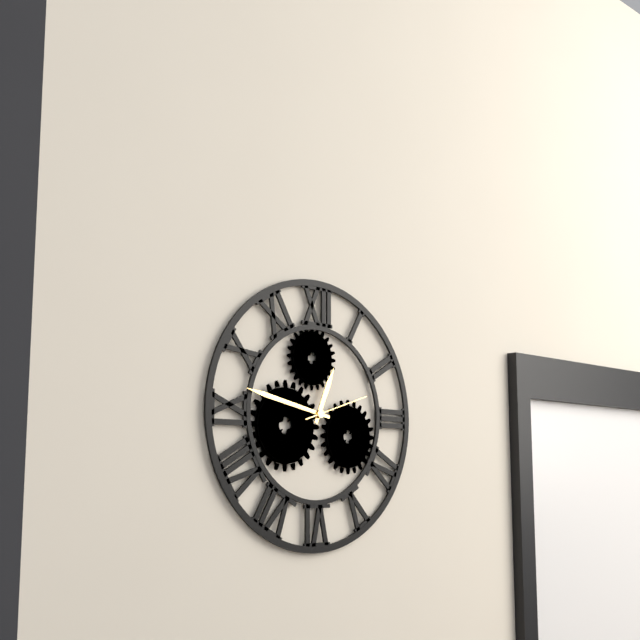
12,47,12
